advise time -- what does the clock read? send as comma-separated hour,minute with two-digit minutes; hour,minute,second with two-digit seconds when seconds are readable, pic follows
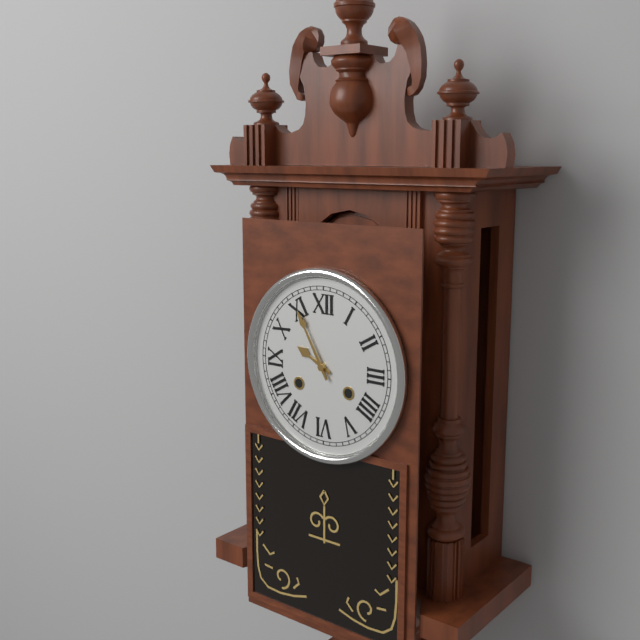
9,55
